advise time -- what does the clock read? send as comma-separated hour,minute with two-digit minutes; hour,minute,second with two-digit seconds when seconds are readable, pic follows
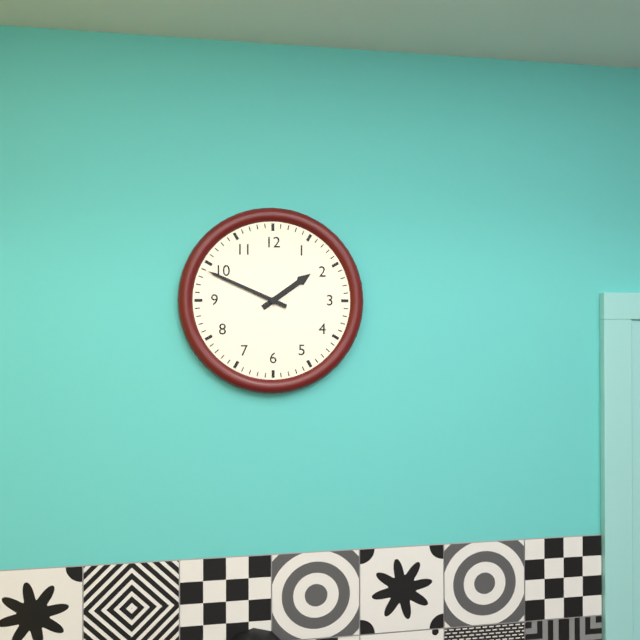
1,49
